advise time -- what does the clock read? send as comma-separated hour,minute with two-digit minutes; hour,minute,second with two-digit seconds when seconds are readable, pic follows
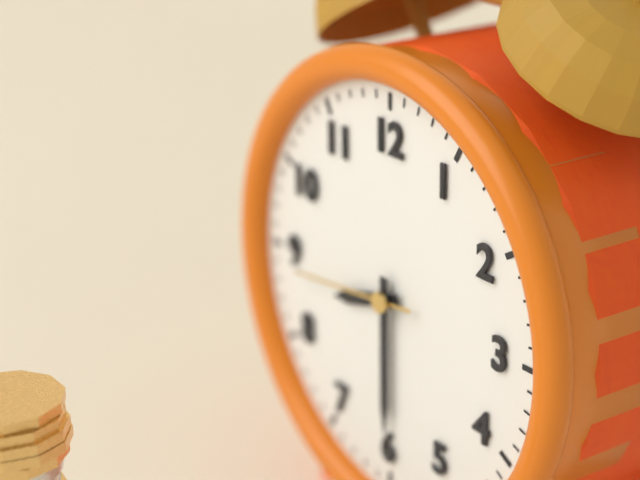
8,30,44
